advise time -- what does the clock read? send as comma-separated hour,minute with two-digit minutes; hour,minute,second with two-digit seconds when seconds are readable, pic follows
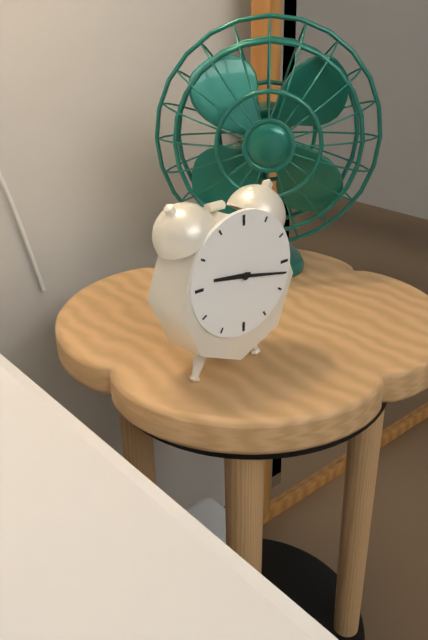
9,17
